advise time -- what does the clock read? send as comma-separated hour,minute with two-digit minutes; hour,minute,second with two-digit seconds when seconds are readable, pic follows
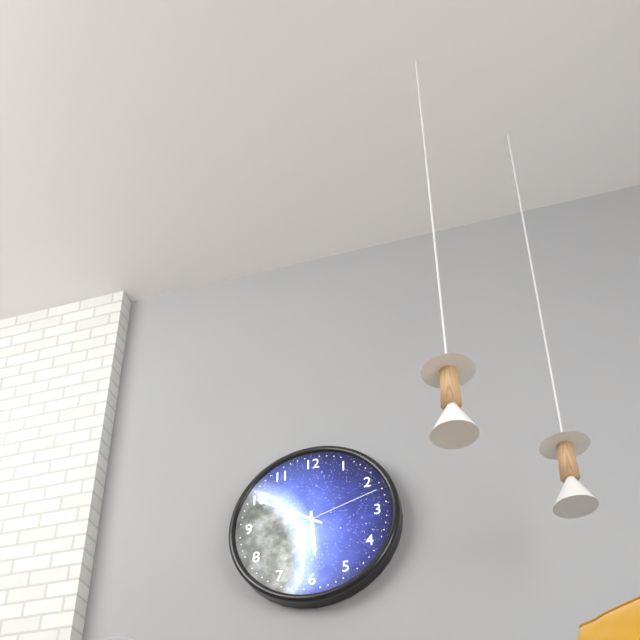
5,50,12
